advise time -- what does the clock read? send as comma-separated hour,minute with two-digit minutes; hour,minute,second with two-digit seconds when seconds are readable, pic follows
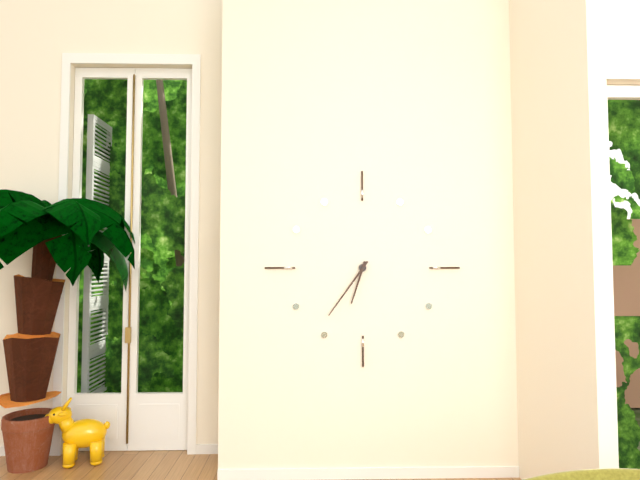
6,36
